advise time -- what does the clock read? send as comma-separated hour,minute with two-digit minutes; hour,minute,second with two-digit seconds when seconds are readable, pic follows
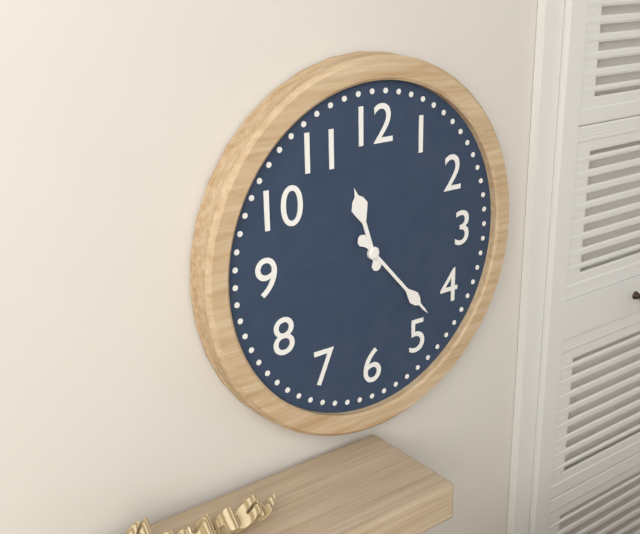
11,23
